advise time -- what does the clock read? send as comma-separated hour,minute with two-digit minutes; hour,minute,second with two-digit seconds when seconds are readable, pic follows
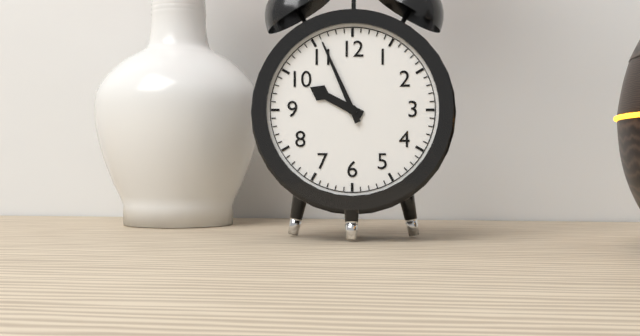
9,56
